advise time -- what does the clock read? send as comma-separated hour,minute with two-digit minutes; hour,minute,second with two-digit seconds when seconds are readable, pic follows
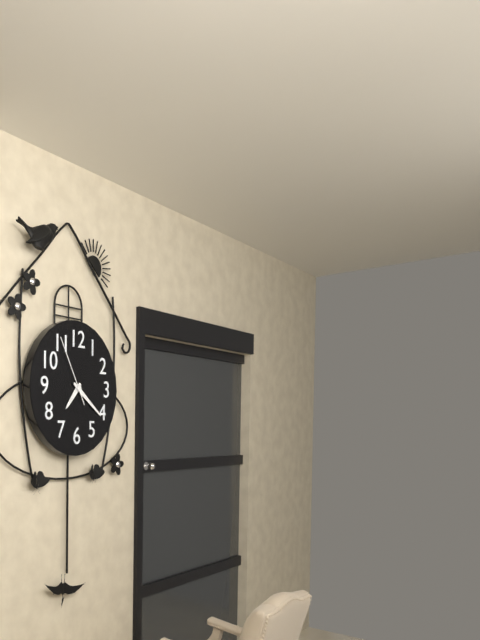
7,21,55
